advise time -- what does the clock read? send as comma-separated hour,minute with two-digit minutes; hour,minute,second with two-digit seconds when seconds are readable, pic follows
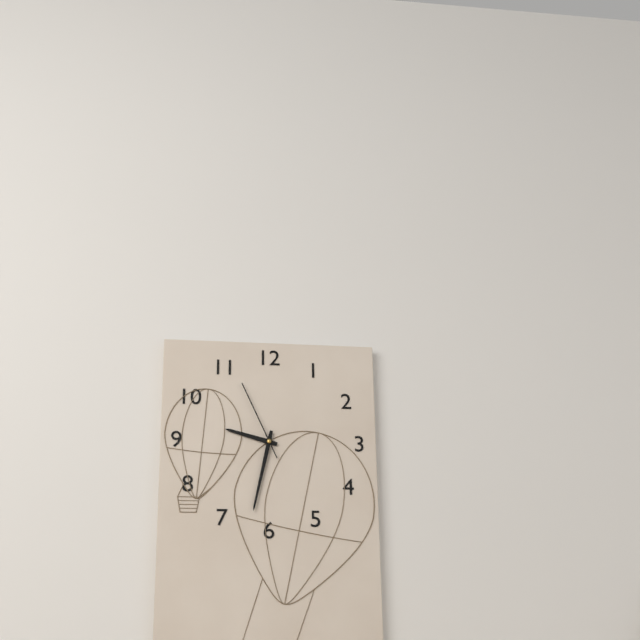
9,32,56
